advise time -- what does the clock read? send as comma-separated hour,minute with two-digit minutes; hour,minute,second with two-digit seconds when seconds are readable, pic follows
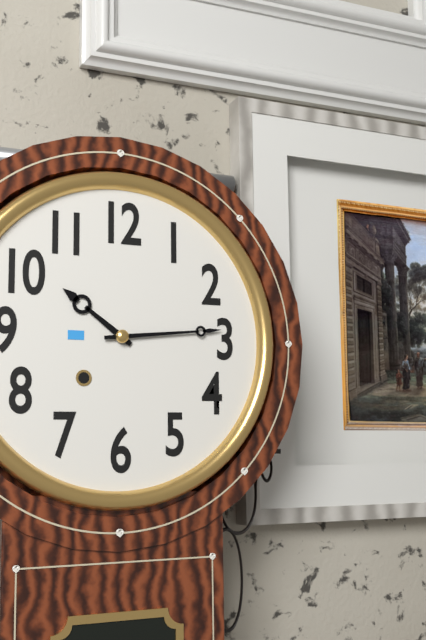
10,14
